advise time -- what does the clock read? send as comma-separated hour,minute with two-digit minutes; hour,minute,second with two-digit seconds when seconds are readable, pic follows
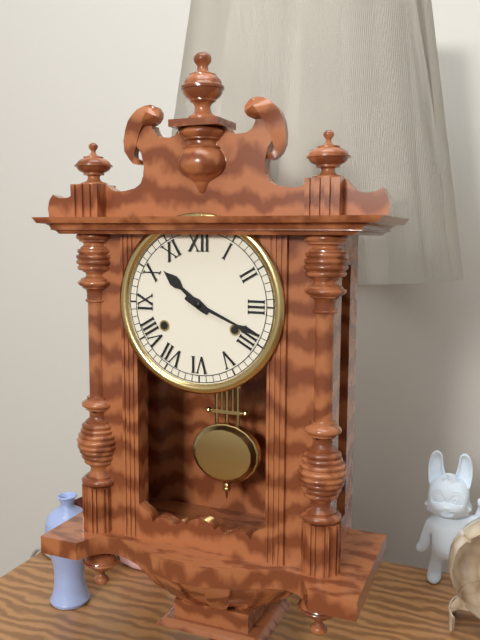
10,19
